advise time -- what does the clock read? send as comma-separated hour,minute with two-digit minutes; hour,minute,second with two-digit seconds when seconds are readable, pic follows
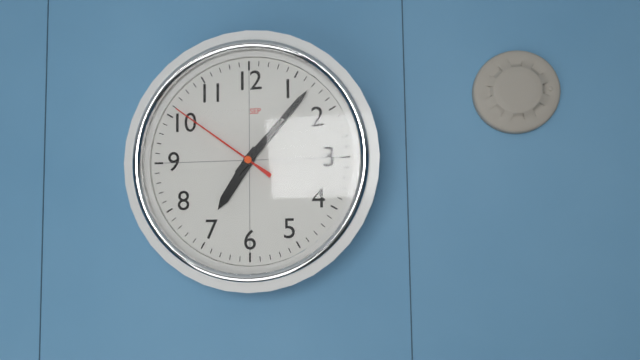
7,07,51
